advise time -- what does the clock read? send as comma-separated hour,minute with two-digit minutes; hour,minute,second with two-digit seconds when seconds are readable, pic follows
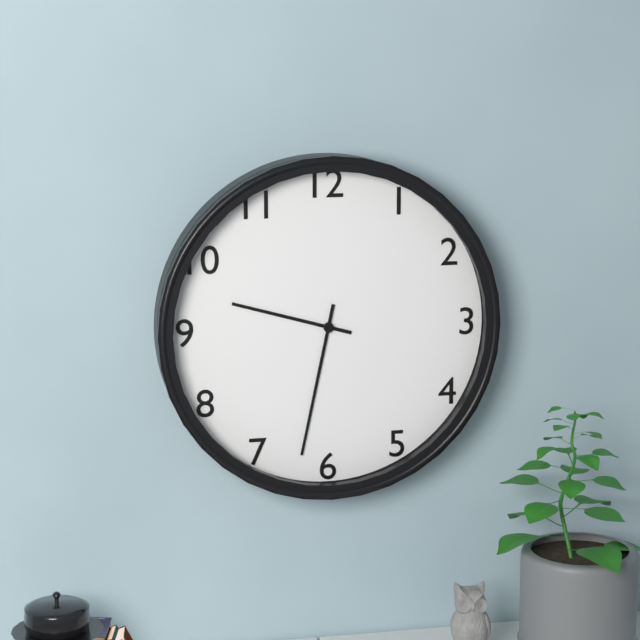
9,32
